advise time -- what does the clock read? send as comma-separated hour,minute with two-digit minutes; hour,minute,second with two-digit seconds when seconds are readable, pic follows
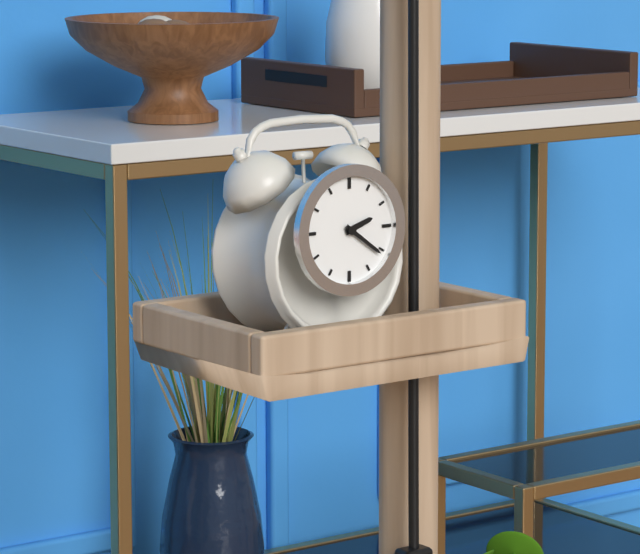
2,21
